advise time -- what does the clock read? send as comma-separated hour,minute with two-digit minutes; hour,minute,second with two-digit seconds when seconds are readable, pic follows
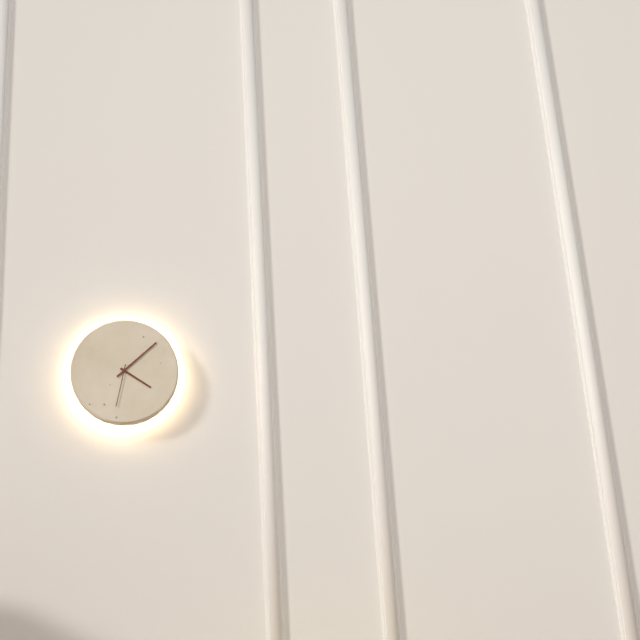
4,08
